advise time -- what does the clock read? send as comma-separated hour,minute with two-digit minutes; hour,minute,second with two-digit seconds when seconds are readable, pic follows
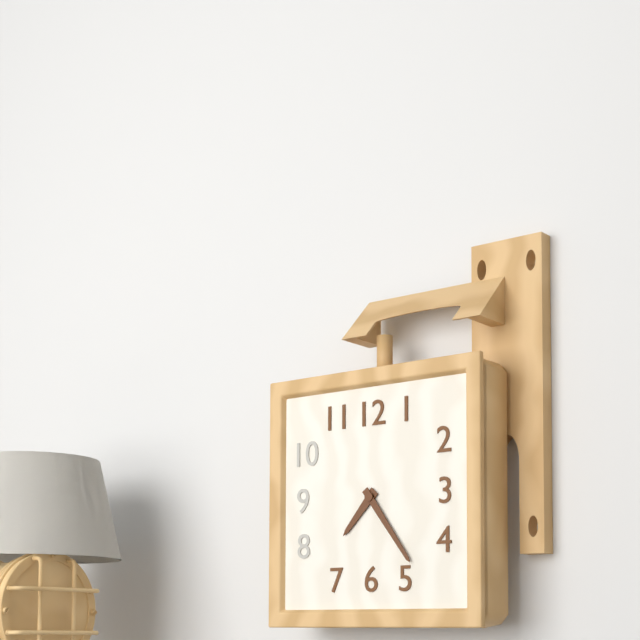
7,24
